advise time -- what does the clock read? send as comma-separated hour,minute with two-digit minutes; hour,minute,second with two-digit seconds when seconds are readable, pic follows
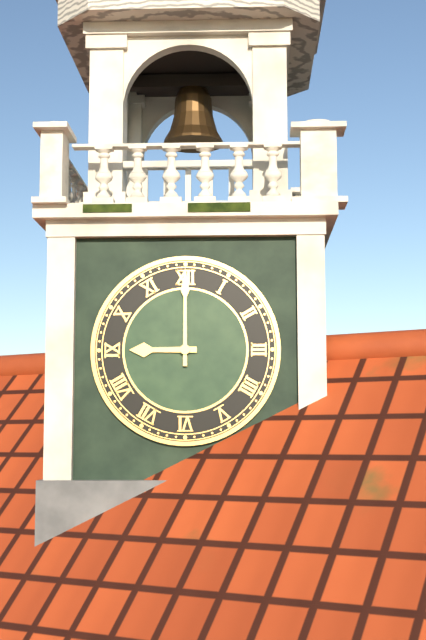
9,00
